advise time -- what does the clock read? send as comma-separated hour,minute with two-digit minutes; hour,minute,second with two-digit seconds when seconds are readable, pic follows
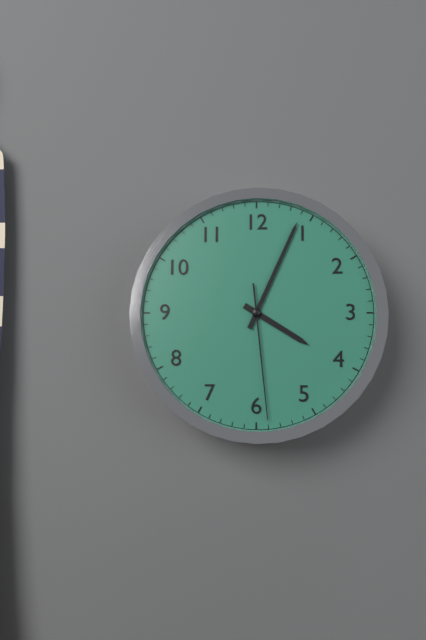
4,04,29
